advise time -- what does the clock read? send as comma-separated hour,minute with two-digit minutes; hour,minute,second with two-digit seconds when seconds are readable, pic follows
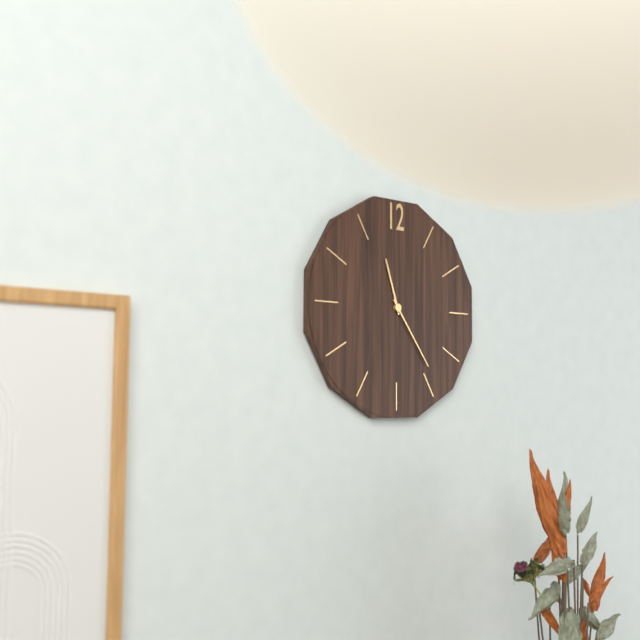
11,24
